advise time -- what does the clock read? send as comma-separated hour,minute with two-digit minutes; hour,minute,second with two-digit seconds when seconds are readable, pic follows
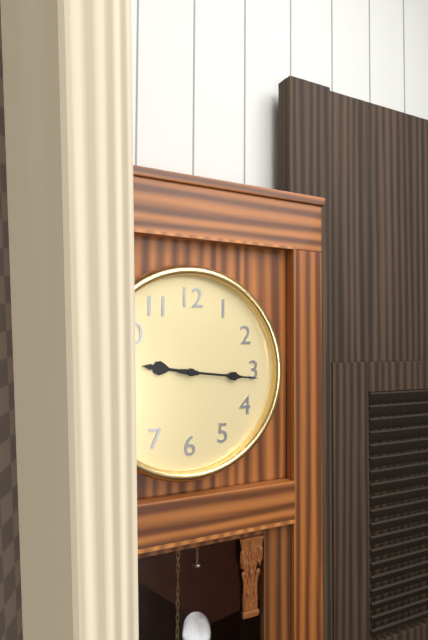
9,16
